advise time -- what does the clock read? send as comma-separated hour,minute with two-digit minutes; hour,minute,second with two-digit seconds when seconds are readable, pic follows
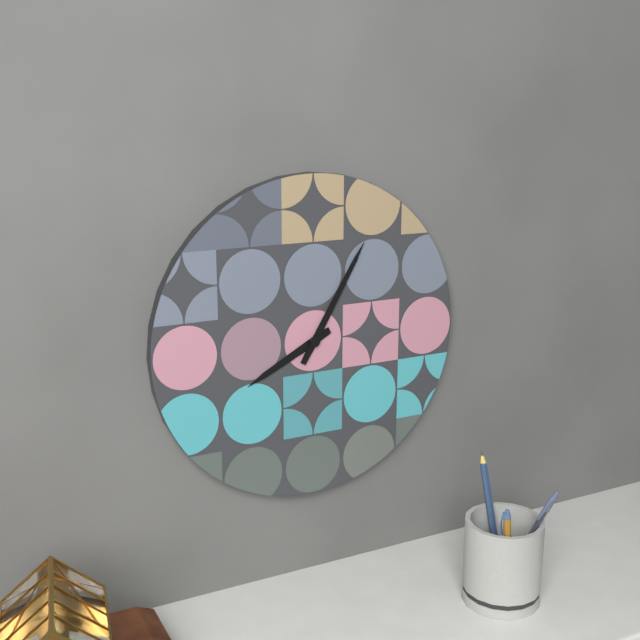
8,05
